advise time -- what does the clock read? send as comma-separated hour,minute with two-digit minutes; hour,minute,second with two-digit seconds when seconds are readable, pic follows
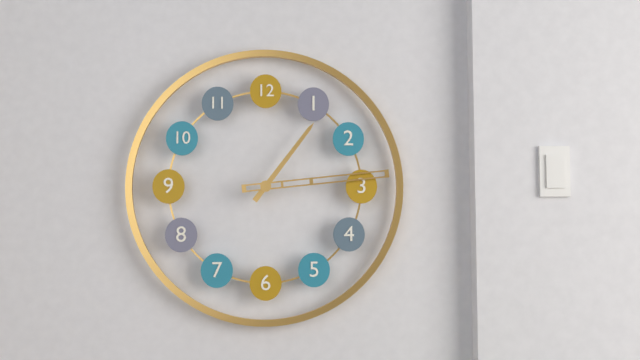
1,14
